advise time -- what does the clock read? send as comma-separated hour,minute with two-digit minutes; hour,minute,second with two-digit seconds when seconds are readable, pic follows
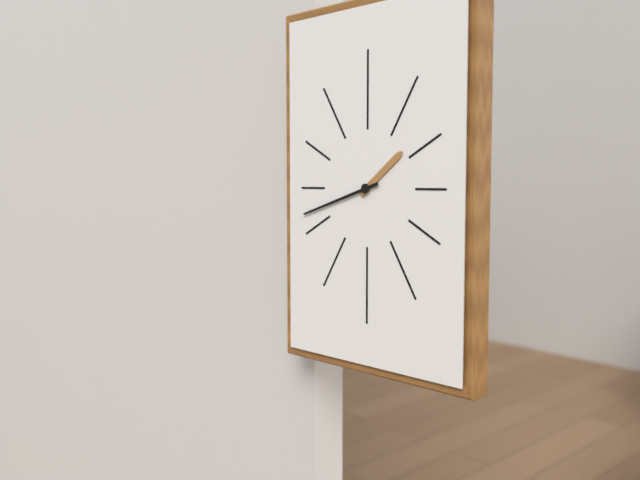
1,42
